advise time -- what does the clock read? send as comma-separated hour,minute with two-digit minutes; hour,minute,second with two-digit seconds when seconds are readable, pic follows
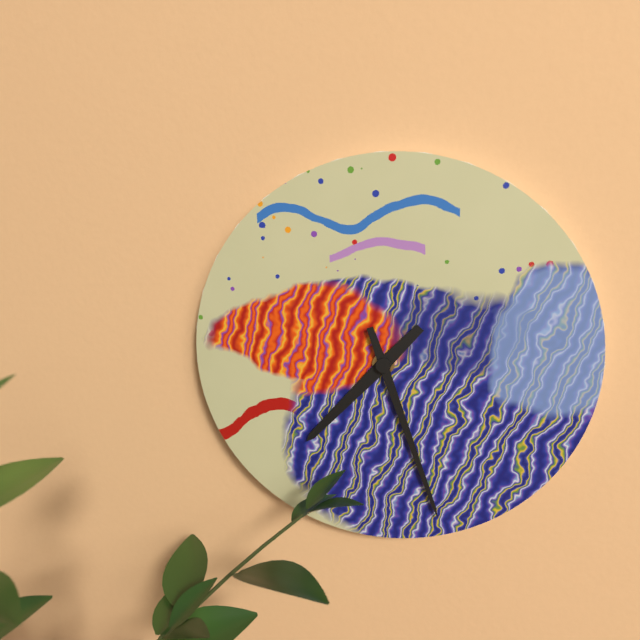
7,27
